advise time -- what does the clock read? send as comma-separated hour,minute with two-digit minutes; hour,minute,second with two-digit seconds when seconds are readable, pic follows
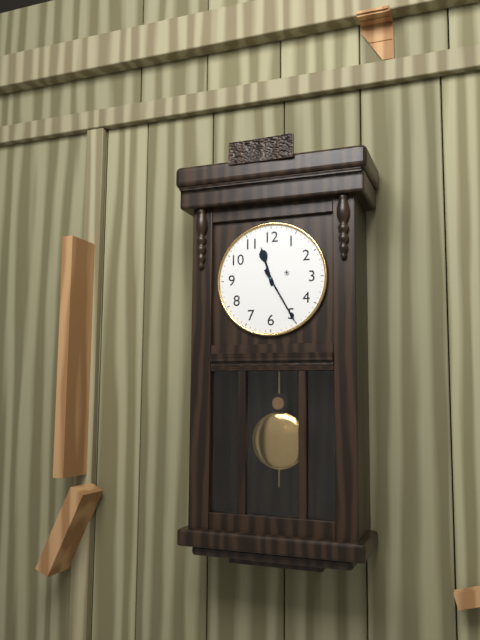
11,25
